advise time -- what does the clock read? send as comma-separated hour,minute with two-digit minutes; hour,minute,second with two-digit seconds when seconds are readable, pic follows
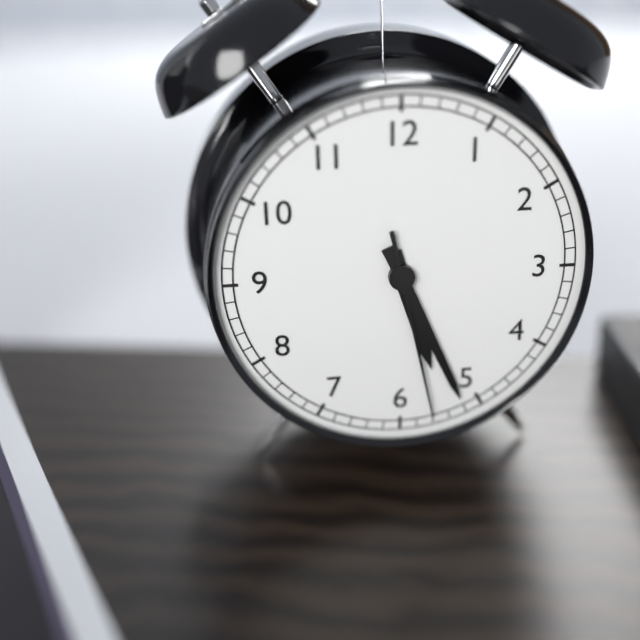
5,26,28
